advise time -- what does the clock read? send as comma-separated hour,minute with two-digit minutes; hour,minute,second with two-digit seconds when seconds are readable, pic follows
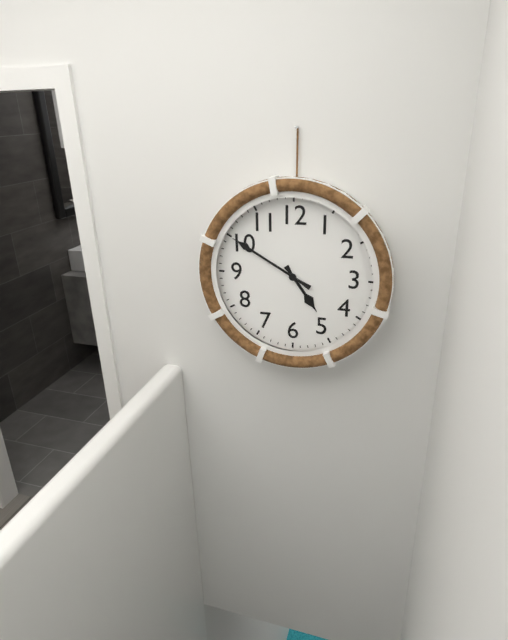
4,50
